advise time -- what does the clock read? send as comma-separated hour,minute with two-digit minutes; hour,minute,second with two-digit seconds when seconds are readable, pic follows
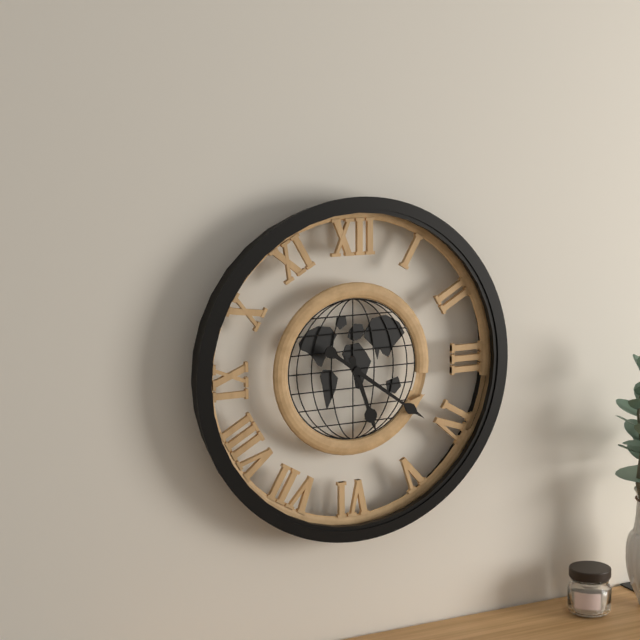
5,21
